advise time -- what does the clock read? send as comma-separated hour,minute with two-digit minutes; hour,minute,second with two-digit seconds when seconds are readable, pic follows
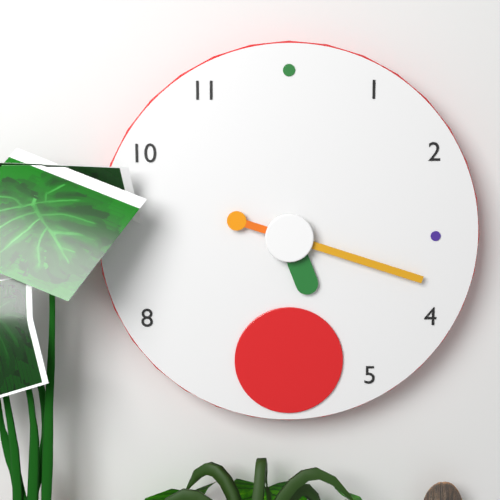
5,18
